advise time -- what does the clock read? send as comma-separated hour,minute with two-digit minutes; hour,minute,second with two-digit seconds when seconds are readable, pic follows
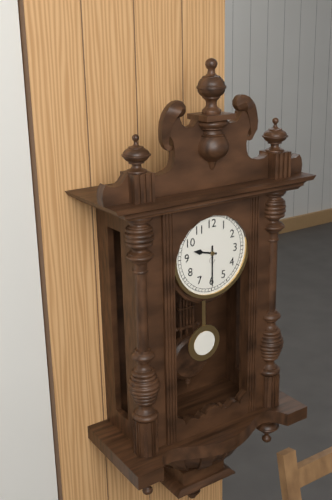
9,30
